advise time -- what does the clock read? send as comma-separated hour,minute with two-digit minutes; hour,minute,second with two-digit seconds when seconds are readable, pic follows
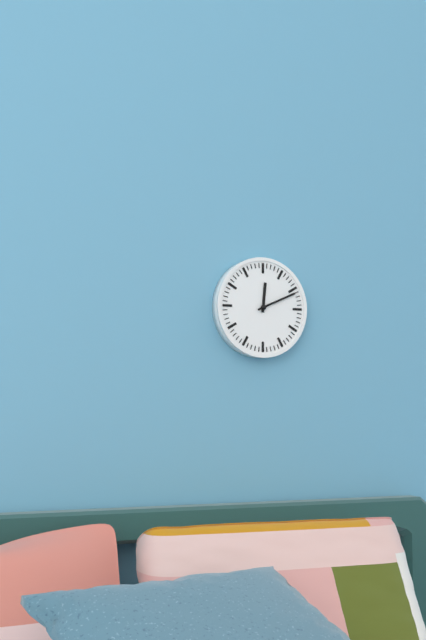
12,11
